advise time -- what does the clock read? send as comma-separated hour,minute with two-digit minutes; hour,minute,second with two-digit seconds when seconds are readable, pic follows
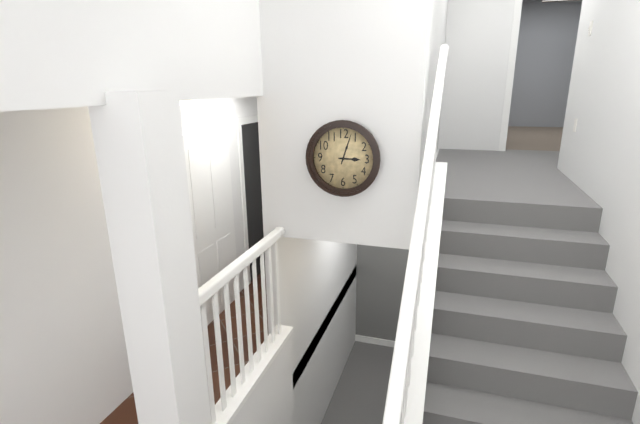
3,03
